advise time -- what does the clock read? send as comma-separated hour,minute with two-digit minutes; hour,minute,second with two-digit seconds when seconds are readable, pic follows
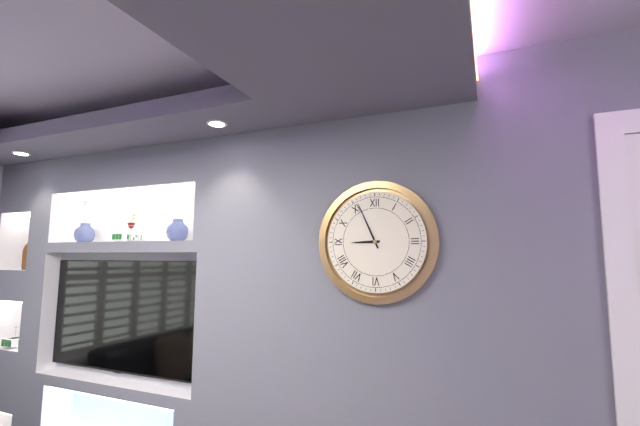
8,56
